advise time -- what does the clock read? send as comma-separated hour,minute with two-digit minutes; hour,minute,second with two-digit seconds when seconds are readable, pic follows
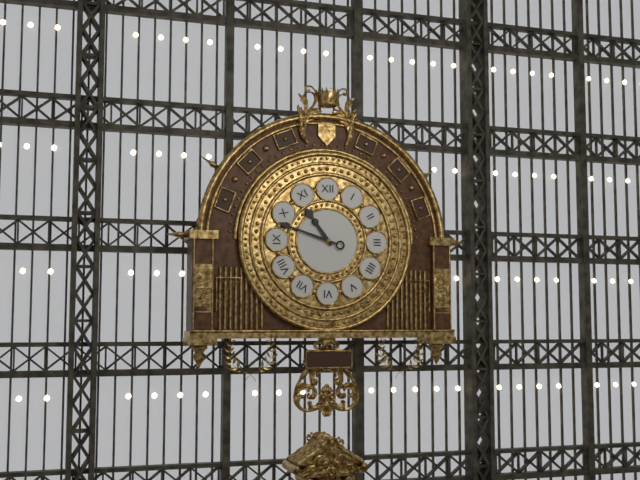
10,48
